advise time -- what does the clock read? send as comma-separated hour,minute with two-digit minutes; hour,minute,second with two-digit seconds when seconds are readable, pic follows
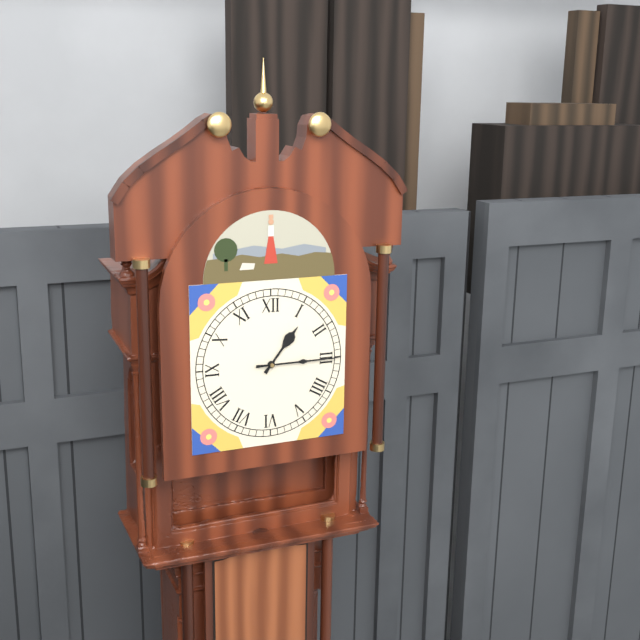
1,15
